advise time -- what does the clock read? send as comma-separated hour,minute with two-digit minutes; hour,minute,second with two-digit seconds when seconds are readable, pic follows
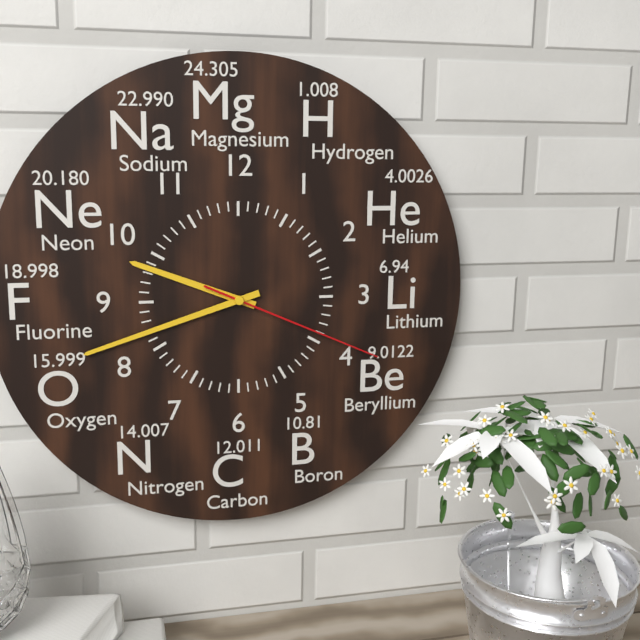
9,42,19
